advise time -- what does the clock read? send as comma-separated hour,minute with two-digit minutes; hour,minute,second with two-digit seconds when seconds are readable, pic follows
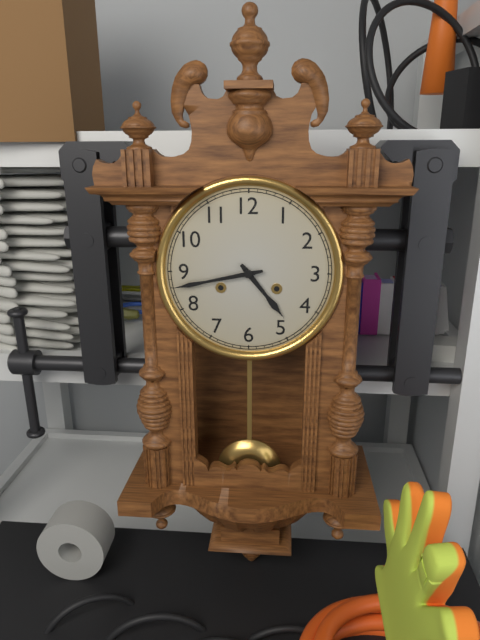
4,43
